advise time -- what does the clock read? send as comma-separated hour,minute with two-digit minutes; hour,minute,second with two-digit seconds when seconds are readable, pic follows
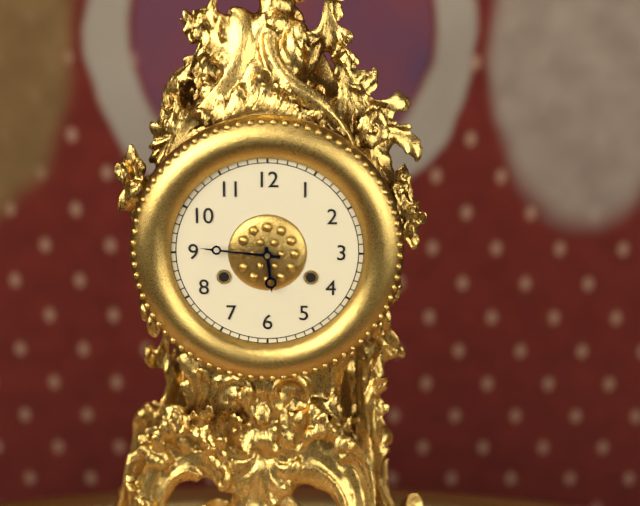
5,46
